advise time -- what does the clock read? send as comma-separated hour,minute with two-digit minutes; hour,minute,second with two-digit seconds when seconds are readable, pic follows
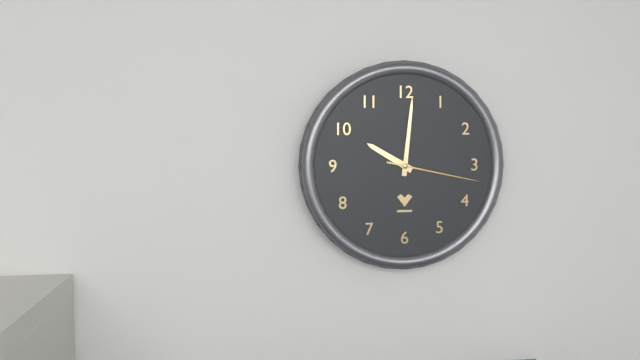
10,01,17
